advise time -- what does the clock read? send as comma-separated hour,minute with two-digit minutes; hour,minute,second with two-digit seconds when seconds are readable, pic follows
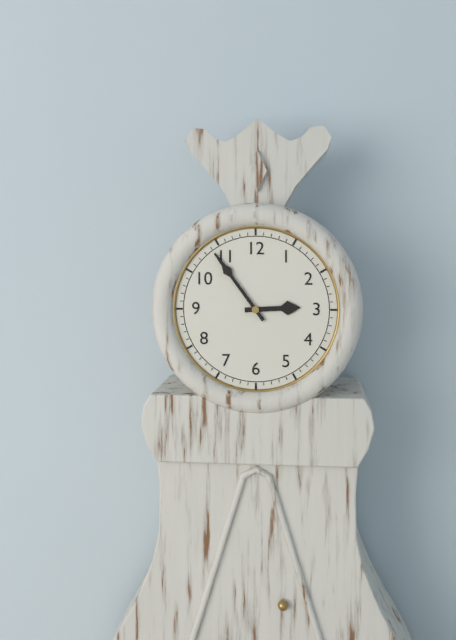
2,54
